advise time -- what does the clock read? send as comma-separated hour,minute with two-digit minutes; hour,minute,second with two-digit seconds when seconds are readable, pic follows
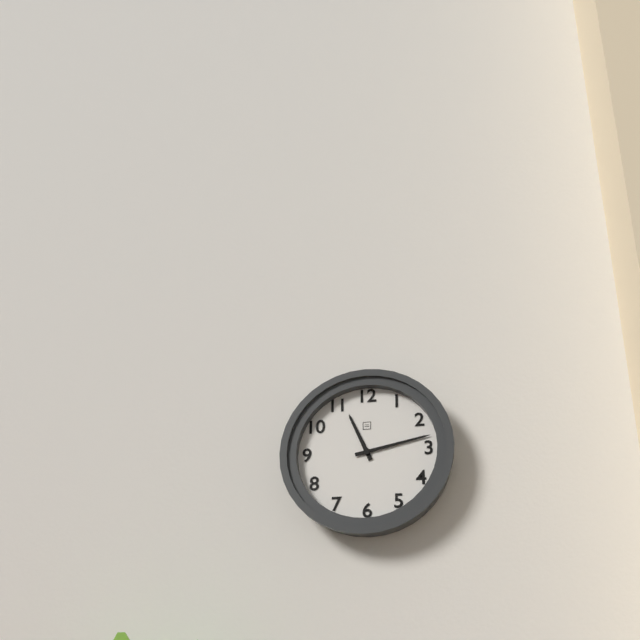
11,13
